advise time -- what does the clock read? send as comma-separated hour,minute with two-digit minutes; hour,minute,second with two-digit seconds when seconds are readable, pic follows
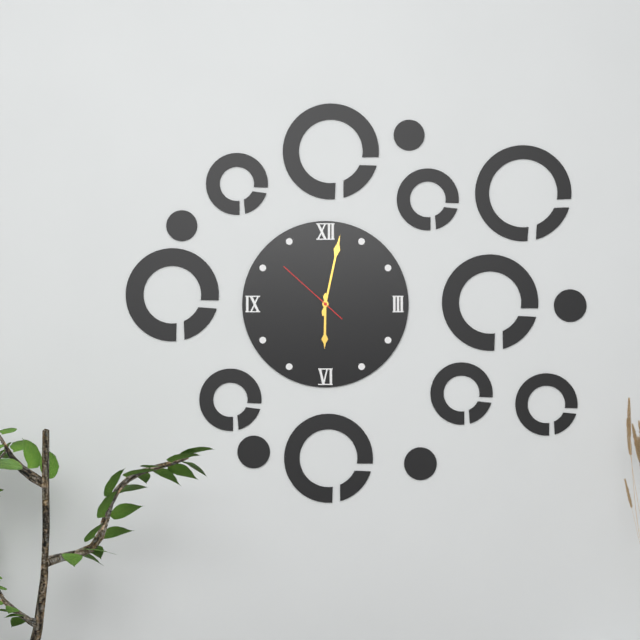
6,02,52
